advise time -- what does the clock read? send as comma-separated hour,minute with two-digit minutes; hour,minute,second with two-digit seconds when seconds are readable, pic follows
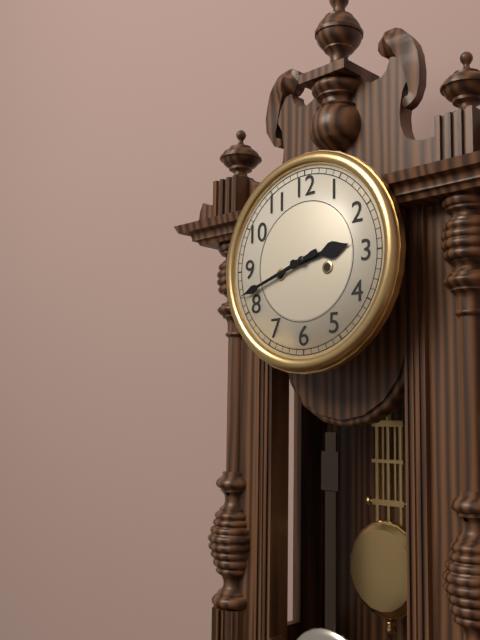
2,42
